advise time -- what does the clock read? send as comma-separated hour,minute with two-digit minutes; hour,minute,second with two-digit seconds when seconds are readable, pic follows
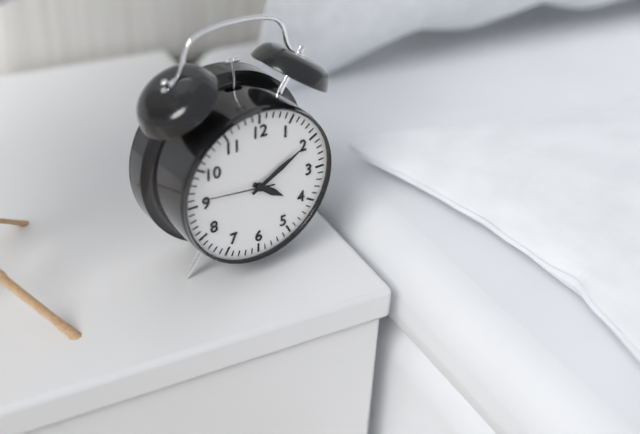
4,10,46
